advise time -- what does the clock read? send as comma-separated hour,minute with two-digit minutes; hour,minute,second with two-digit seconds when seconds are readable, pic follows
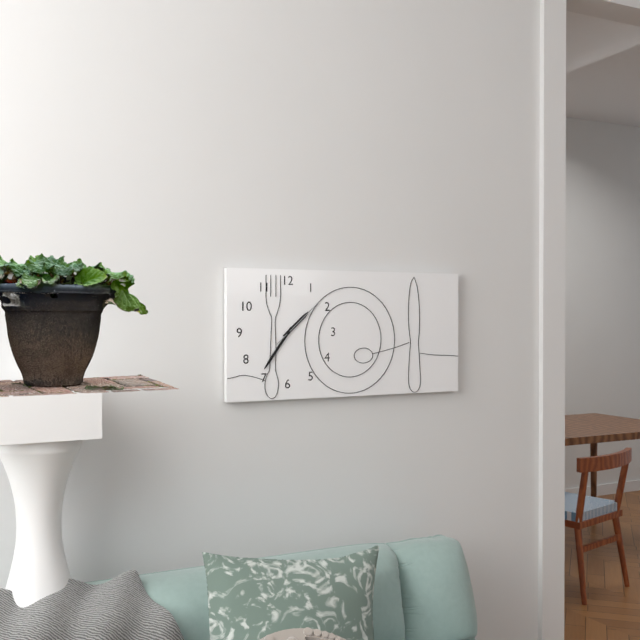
1,36,08
